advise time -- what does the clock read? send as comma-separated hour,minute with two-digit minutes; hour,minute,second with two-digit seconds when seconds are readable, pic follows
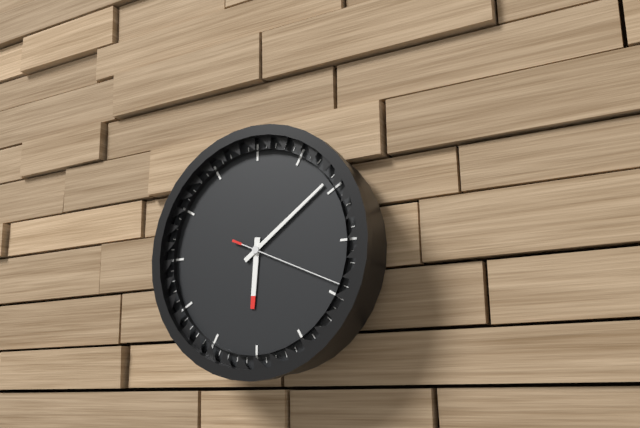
6,09,19
